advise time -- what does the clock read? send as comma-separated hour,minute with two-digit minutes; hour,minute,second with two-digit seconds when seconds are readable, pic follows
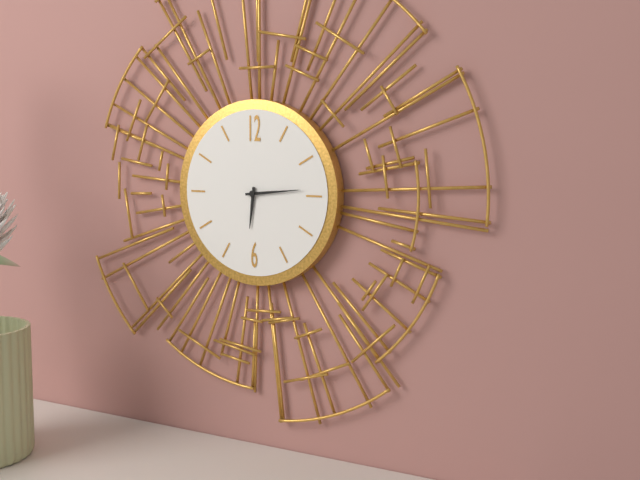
6,14
